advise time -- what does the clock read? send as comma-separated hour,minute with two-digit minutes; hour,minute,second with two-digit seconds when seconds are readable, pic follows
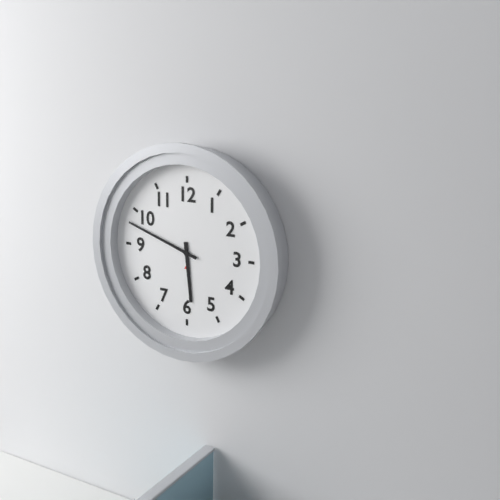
5,48
